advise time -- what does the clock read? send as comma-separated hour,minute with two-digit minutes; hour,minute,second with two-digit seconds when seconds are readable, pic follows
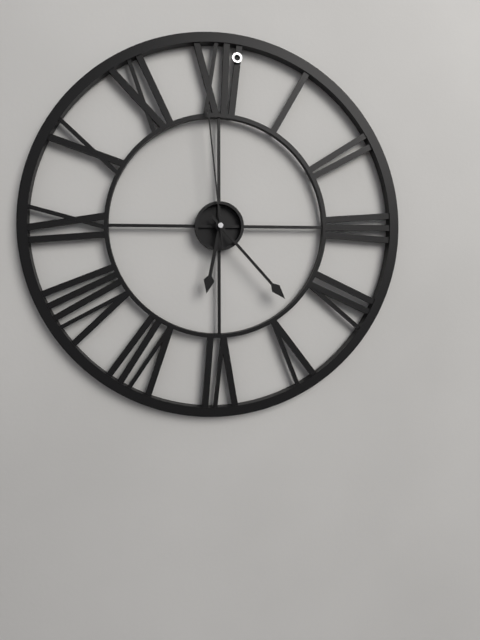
6,23,59
